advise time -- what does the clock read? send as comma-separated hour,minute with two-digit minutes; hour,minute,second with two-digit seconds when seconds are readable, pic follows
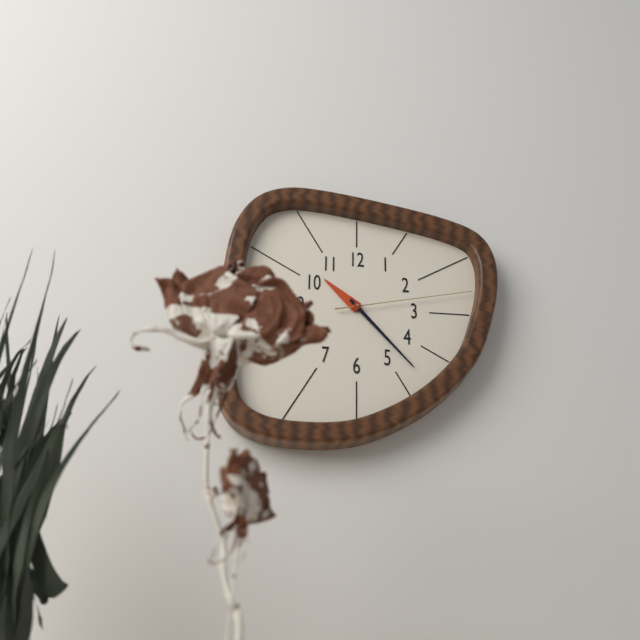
10,23,13
